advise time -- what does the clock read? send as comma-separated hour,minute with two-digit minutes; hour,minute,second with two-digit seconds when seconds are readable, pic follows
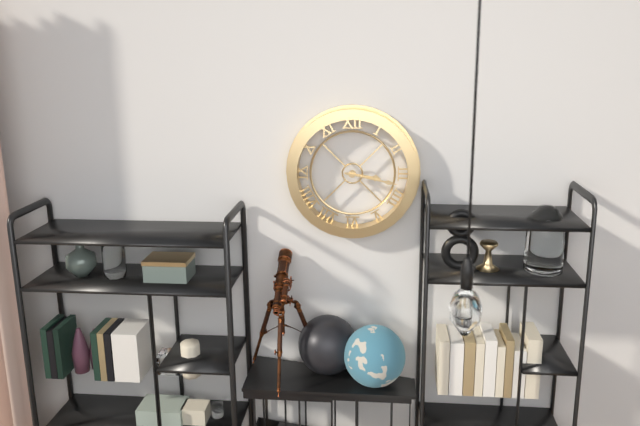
3,17
